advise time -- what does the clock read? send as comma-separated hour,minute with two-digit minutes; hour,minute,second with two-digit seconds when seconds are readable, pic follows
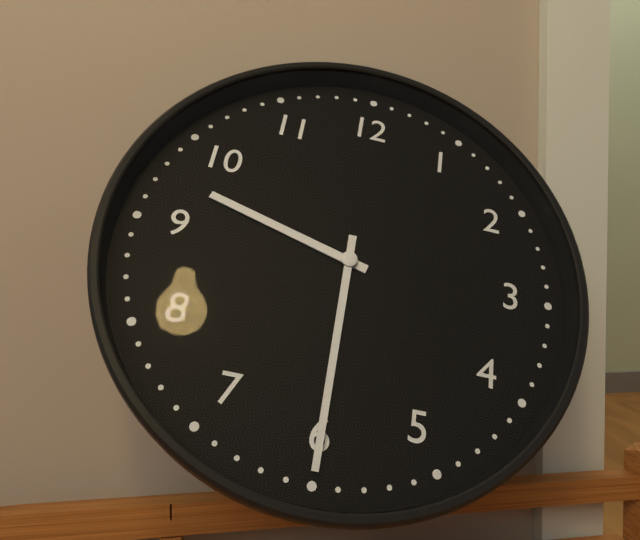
9,30
